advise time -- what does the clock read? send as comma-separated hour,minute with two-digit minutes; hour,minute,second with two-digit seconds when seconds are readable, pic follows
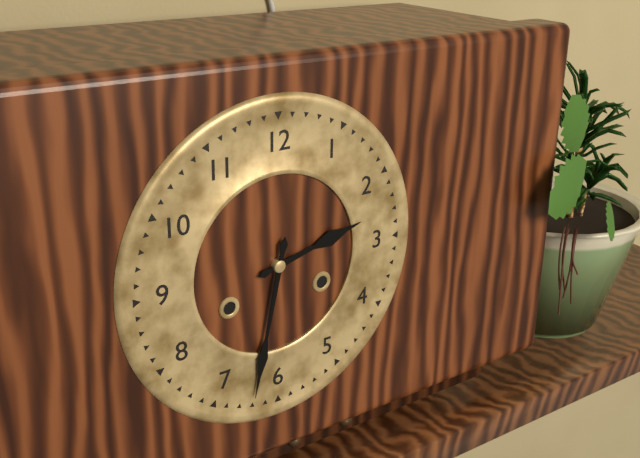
2,32
